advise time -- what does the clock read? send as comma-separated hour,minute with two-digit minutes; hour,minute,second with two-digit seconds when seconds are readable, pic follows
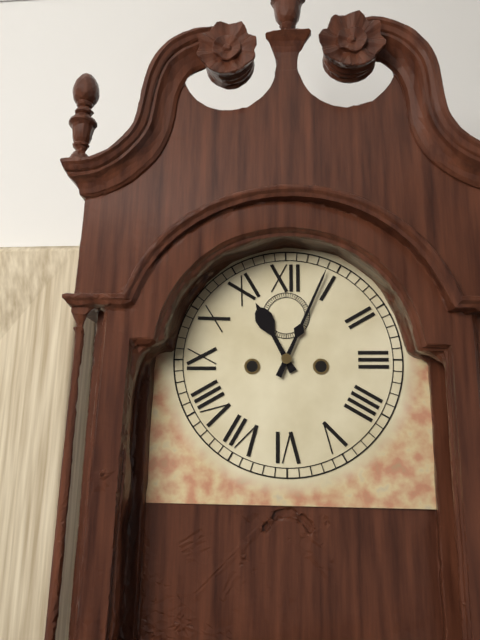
11,04
